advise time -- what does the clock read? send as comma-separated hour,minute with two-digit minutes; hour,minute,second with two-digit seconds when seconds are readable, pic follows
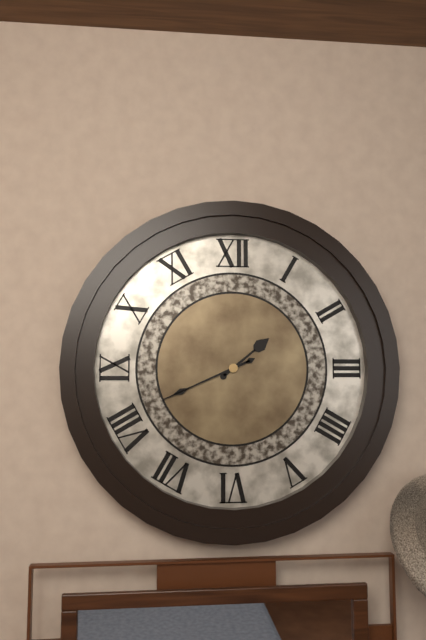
1,41
